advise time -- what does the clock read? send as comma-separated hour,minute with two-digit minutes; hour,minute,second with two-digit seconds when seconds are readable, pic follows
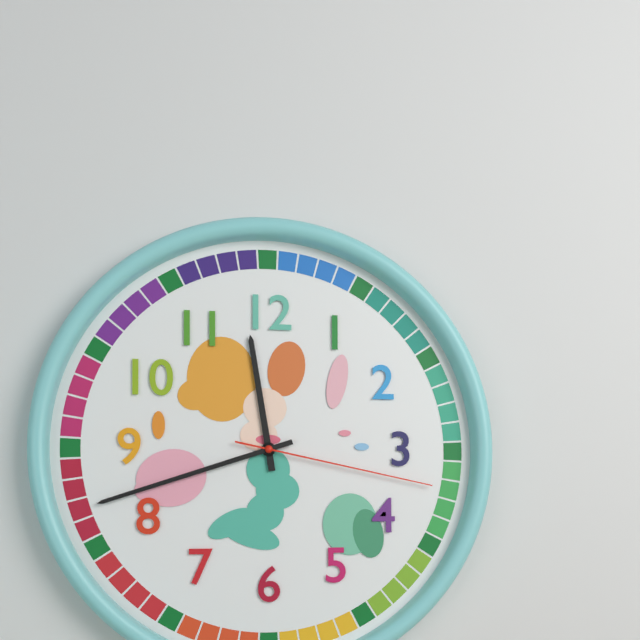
11,42,17
